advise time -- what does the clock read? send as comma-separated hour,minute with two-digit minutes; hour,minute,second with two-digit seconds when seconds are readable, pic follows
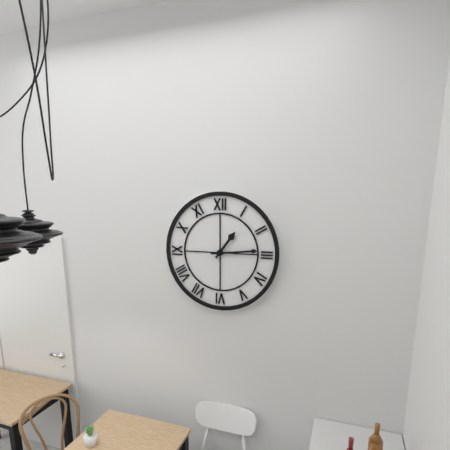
1,14
